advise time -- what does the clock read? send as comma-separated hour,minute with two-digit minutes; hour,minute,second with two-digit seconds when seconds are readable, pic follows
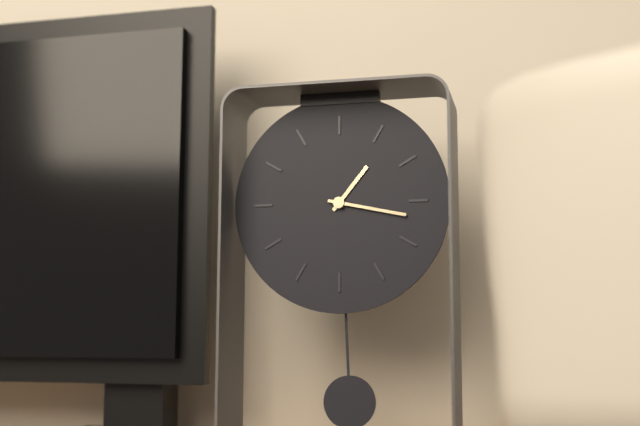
1,17
